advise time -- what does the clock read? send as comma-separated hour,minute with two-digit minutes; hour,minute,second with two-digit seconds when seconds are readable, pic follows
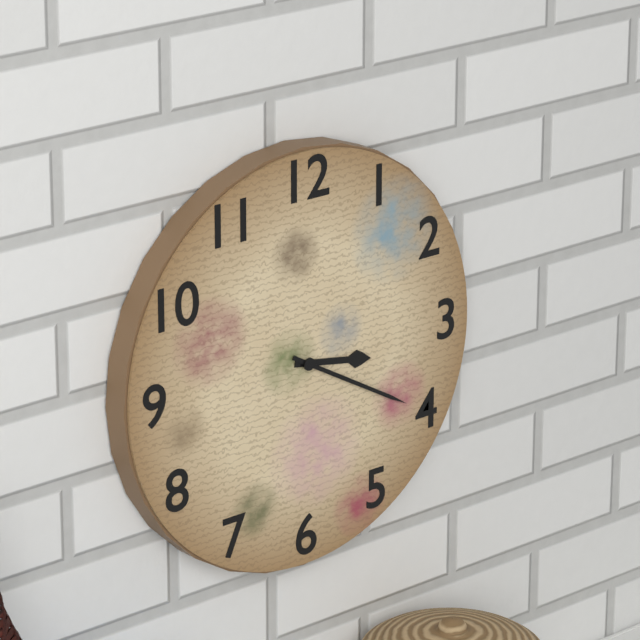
3,20
